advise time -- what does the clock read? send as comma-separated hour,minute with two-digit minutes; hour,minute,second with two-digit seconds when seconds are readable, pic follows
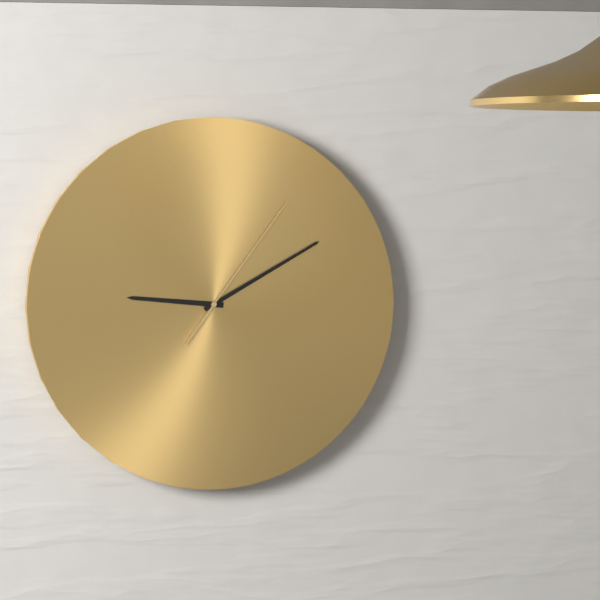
9,10,06
